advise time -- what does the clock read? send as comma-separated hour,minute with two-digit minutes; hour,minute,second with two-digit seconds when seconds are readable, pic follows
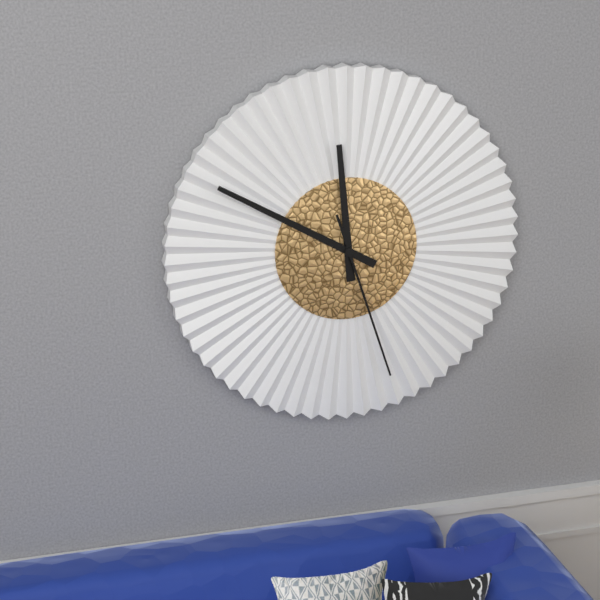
11,50,27
